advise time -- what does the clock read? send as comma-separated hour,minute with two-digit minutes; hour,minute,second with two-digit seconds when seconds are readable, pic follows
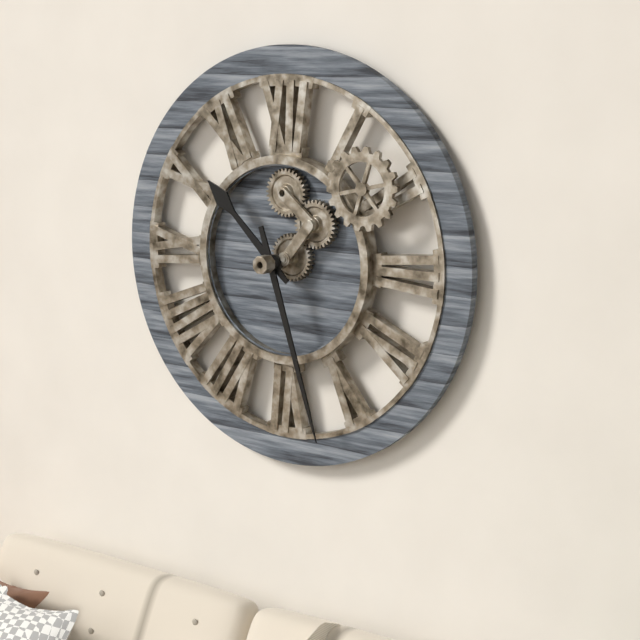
10,27
